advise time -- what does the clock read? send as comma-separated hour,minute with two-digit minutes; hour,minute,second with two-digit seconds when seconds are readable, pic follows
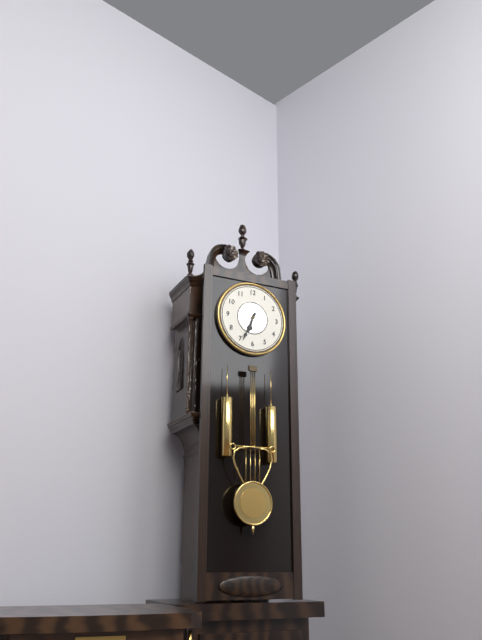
6,34
